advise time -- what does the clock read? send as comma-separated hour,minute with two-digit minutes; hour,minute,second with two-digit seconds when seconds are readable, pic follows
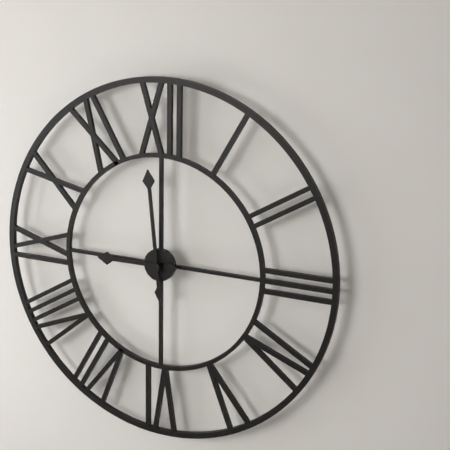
8,59
